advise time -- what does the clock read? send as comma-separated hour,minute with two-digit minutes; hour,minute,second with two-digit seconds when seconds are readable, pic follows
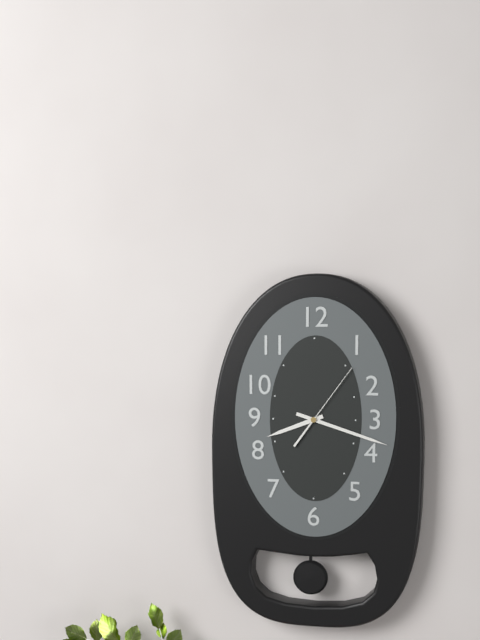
8,18,06
